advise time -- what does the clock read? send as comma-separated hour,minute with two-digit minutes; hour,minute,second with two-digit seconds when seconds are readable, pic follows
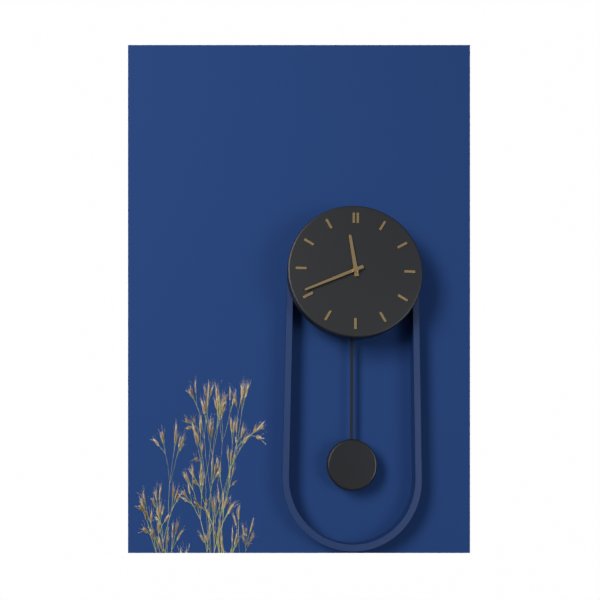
11,41
